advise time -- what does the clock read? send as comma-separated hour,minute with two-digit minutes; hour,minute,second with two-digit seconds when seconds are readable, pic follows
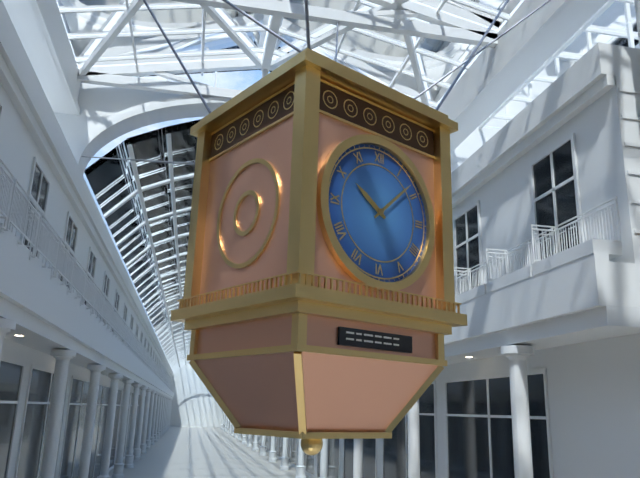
10,08
